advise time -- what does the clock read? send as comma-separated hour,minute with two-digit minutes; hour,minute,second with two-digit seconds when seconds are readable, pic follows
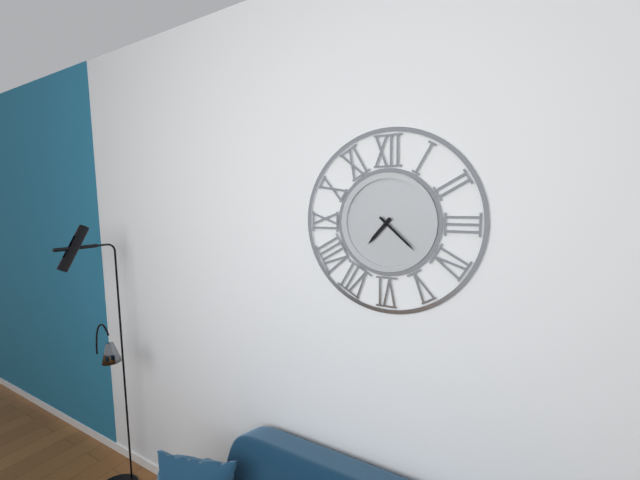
7,22
